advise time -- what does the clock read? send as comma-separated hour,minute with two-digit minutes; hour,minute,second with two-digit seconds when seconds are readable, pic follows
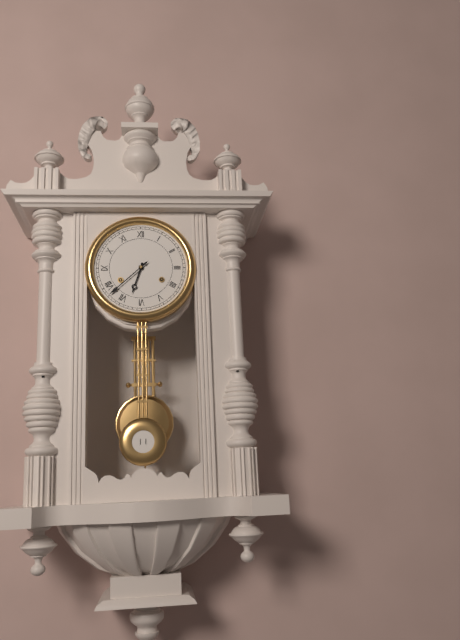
6,38
